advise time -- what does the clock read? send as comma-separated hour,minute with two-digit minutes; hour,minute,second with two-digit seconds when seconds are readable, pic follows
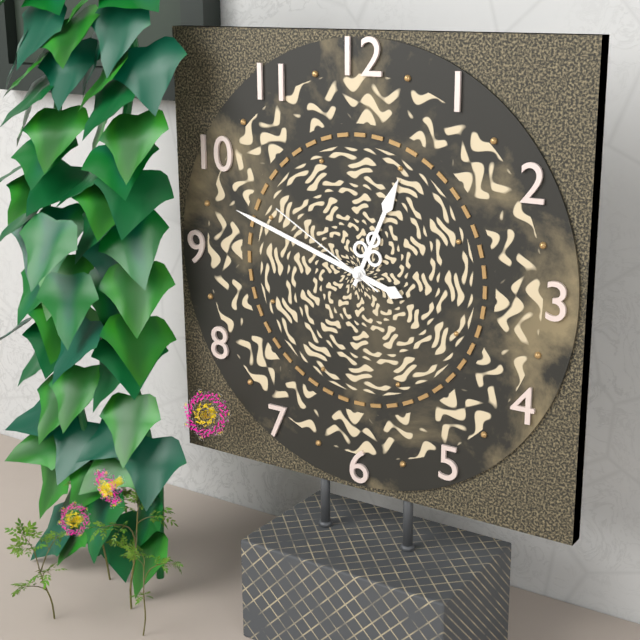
12,48,50
